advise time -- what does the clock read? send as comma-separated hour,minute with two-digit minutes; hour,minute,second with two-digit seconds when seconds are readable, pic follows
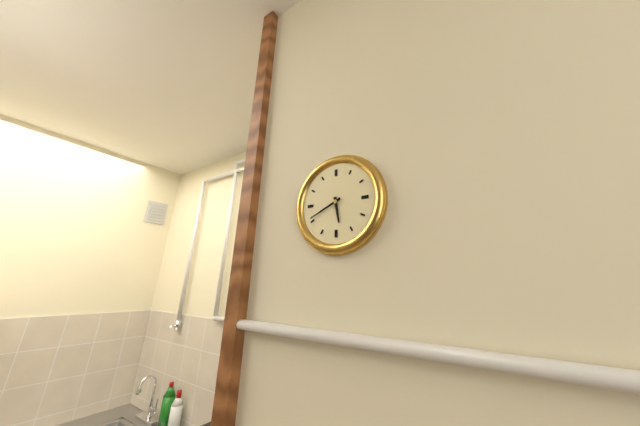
5,41
